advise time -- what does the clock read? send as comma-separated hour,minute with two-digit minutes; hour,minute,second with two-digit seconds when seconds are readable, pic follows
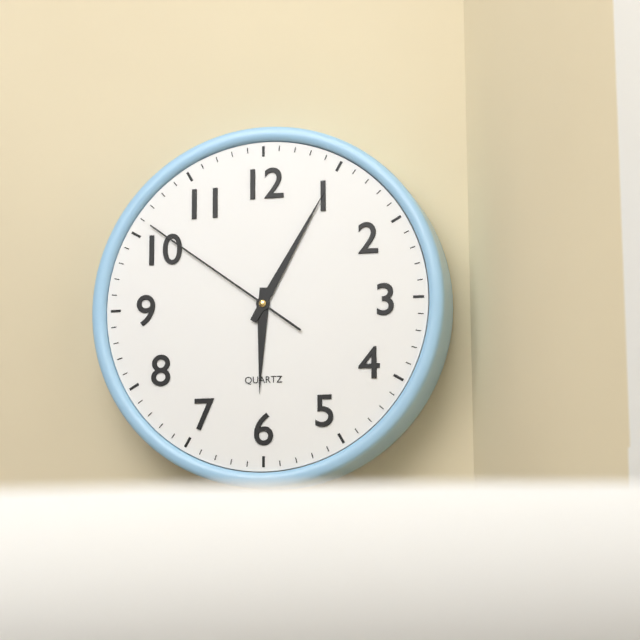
6,05,51
